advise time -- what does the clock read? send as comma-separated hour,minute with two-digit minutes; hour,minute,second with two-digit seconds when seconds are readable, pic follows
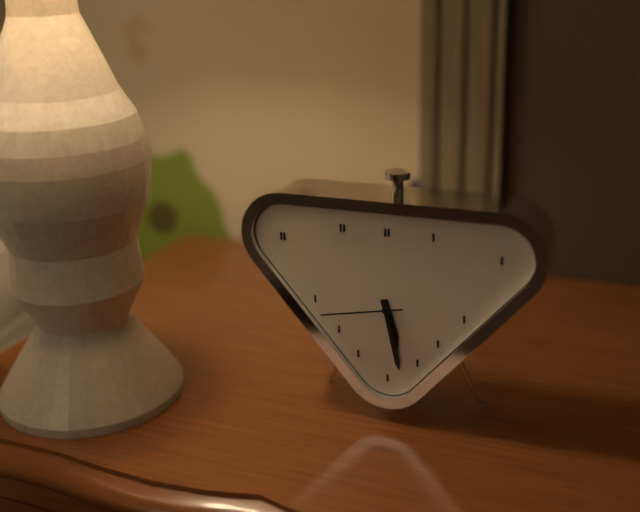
5,28,43
